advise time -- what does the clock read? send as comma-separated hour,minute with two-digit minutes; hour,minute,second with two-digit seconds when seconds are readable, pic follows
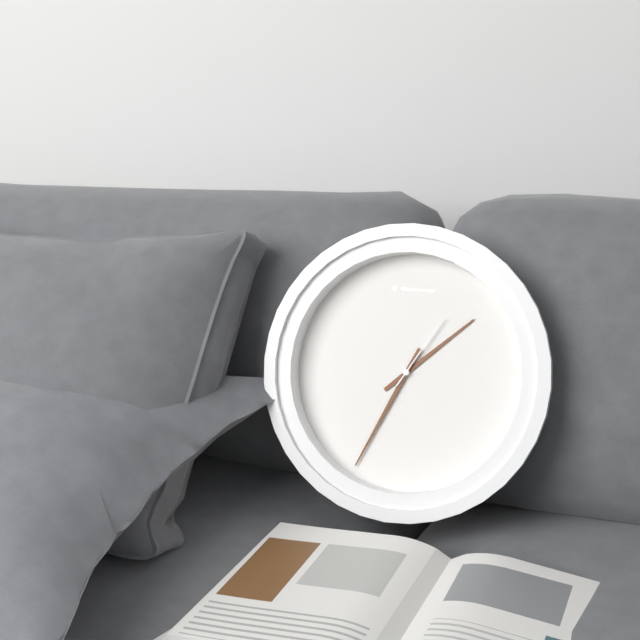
1,34,05
